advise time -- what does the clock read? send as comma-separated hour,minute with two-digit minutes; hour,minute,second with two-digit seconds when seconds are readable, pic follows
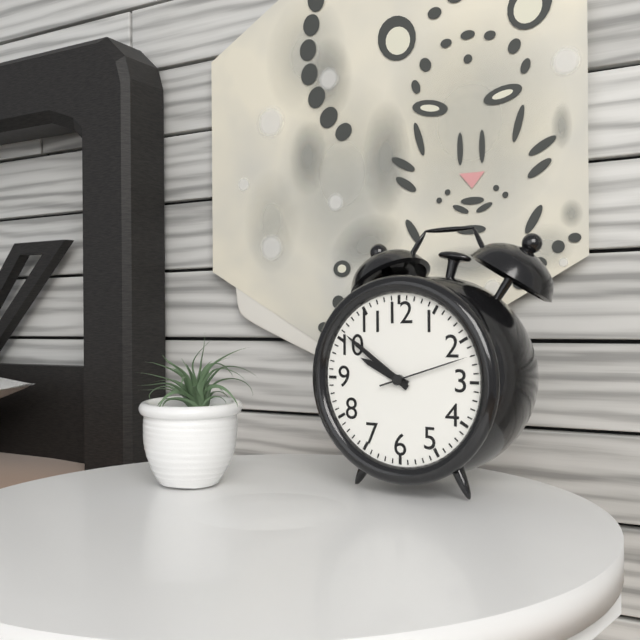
9,51,12
